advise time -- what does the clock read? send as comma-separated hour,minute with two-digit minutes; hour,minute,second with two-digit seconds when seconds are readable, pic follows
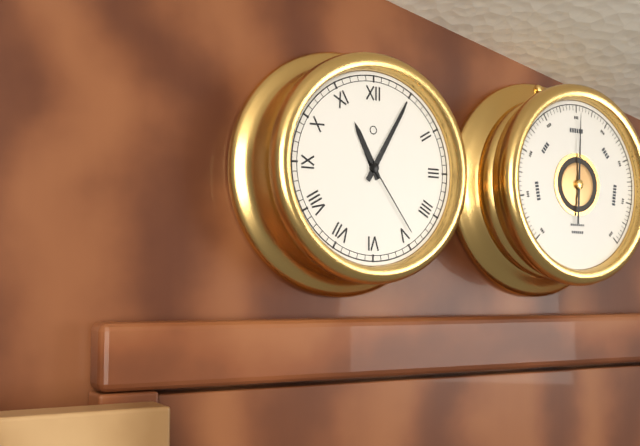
11,05,24
